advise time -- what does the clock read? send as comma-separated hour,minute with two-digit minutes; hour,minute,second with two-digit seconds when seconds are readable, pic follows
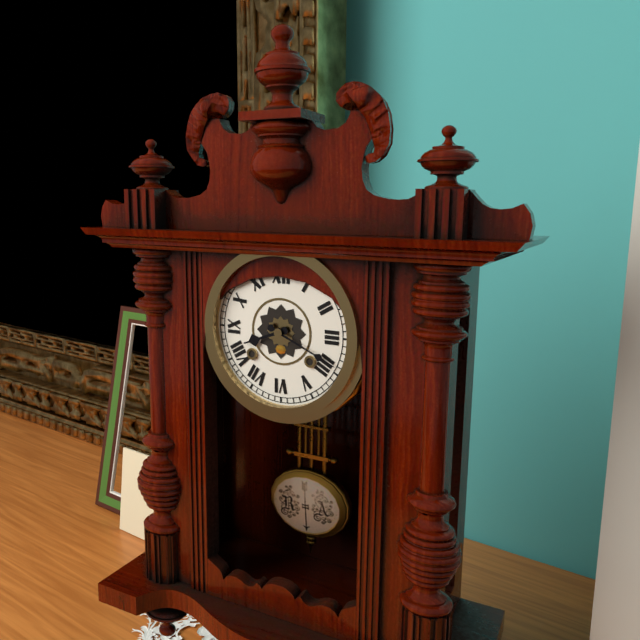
8,19
